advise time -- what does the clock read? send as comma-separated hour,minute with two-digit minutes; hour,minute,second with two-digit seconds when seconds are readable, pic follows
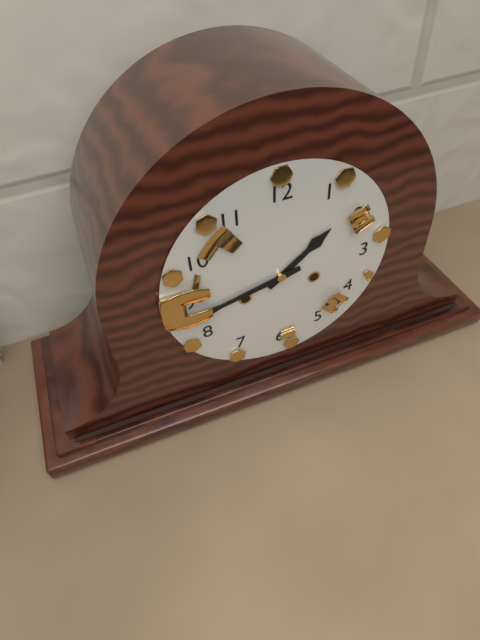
1,43
